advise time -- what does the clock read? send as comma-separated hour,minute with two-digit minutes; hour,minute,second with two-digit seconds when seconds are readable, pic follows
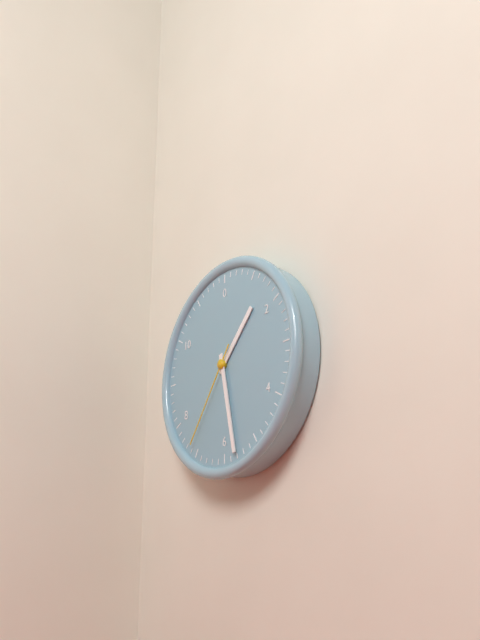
1,28,36
